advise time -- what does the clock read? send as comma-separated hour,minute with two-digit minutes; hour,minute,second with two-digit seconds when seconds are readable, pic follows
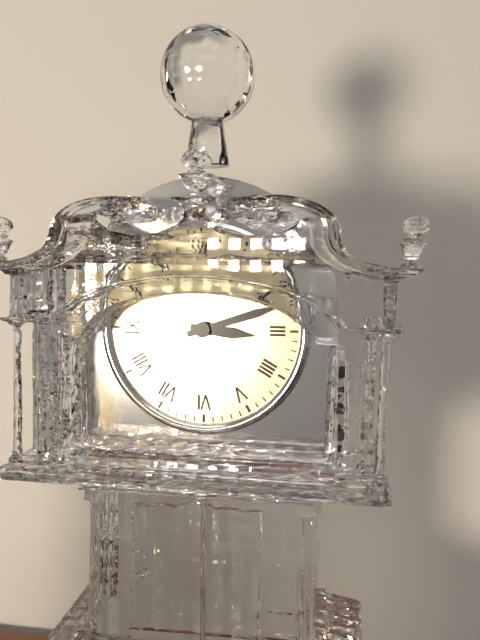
3,12
